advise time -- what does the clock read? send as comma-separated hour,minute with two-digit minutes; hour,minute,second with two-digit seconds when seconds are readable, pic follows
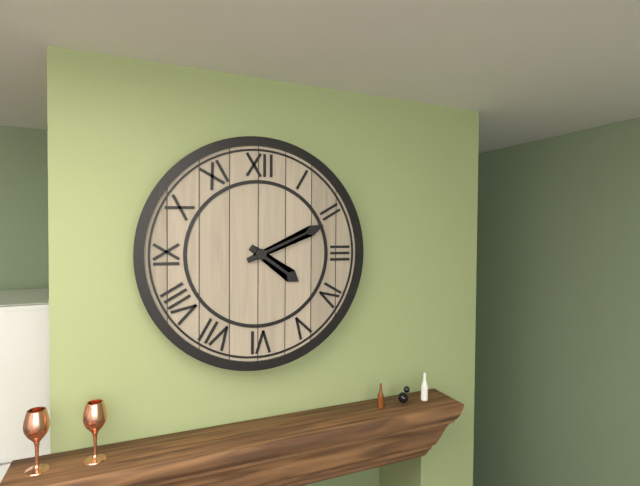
4,11
